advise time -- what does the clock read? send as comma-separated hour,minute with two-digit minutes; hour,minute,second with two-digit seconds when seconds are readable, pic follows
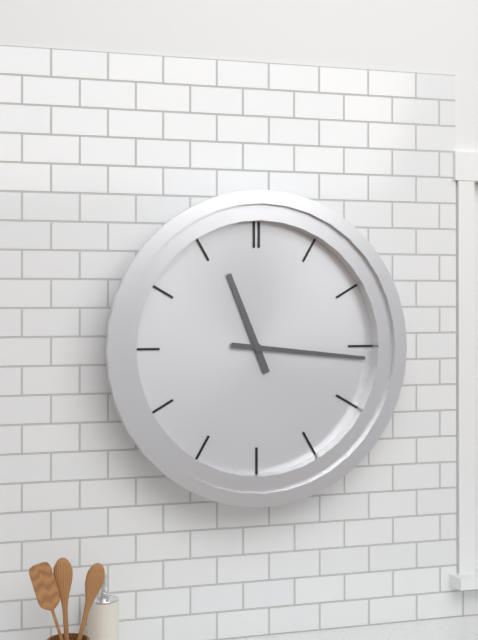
11,16
